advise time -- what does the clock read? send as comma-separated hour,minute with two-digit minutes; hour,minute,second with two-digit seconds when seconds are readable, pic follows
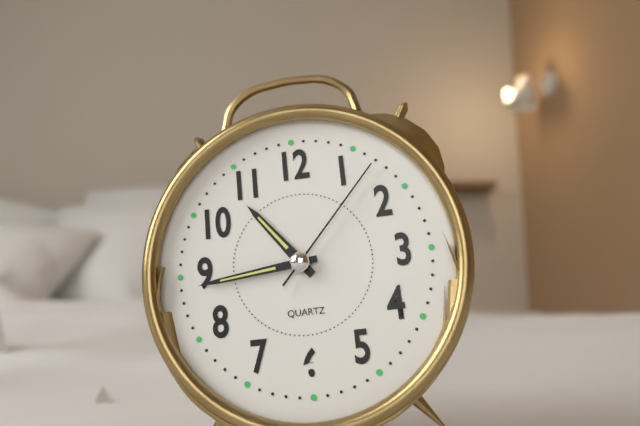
10,44,07
